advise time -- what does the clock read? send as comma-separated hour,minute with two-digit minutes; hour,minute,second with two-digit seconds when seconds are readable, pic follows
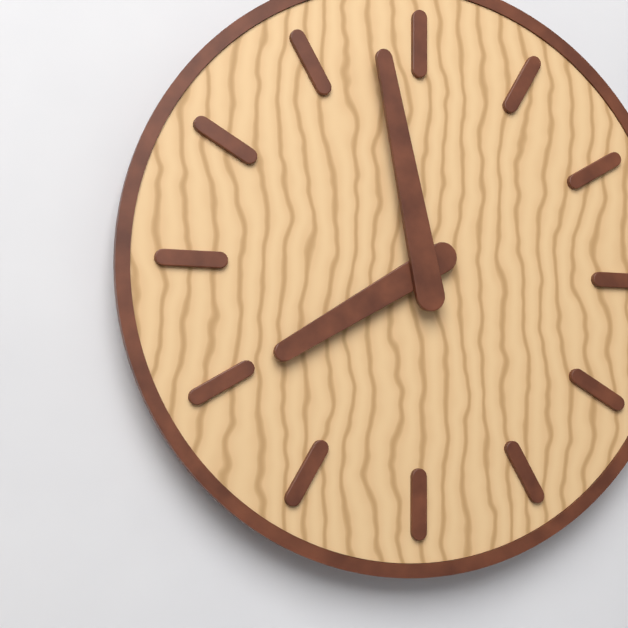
7,58
